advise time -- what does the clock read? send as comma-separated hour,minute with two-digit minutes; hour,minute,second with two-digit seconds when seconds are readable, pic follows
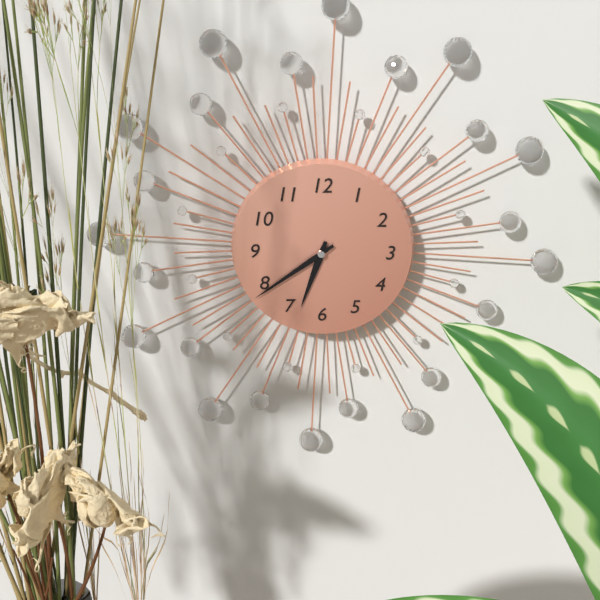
6,39
